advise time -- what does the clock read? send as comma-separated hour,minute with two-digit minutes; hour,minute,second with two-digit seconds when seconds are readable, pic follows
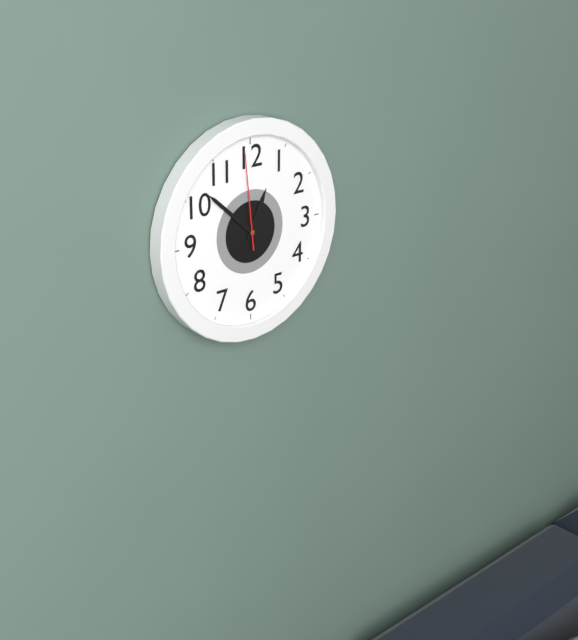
12,52,59
